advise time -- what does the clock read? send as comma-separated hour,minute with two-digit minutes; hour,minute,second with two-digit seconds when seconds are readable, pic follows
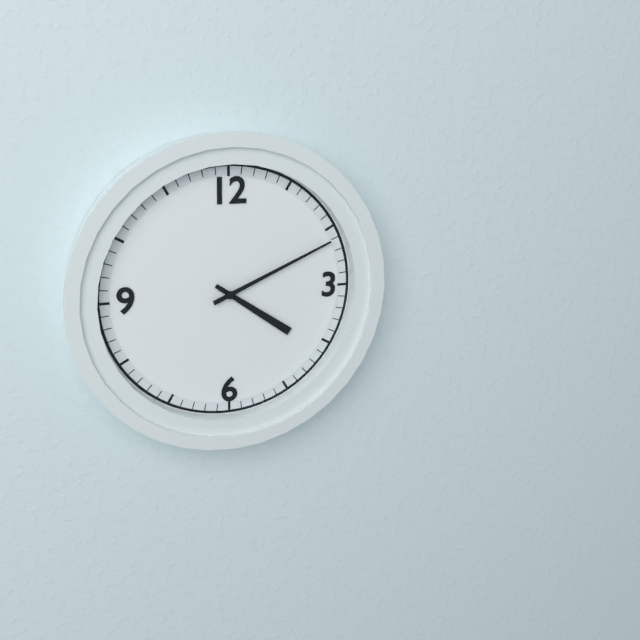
4,11
